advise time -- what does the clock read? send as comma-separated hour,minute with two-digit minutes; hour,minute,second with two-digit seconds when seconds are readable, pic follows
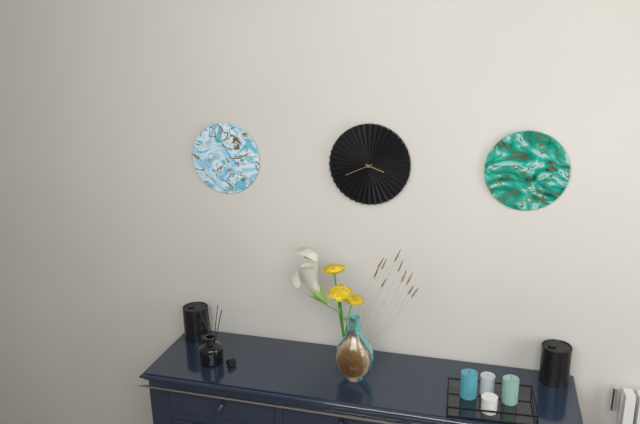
3,41
